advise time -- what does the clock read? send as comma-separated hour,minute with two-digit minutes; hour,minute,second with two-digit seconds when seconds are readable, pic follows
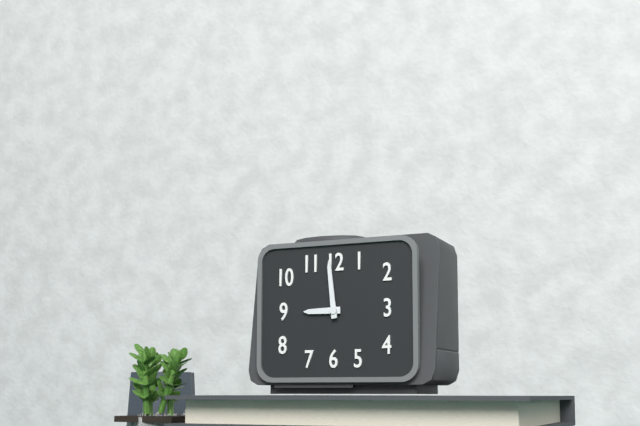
8,59
